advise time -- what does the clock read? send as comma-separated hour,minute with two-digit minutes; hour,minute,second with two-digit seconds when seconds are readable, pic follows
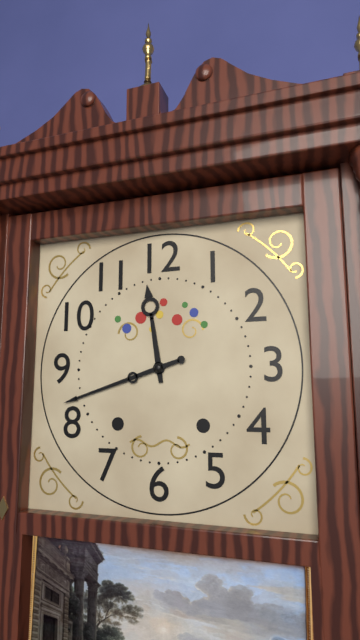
11,42
